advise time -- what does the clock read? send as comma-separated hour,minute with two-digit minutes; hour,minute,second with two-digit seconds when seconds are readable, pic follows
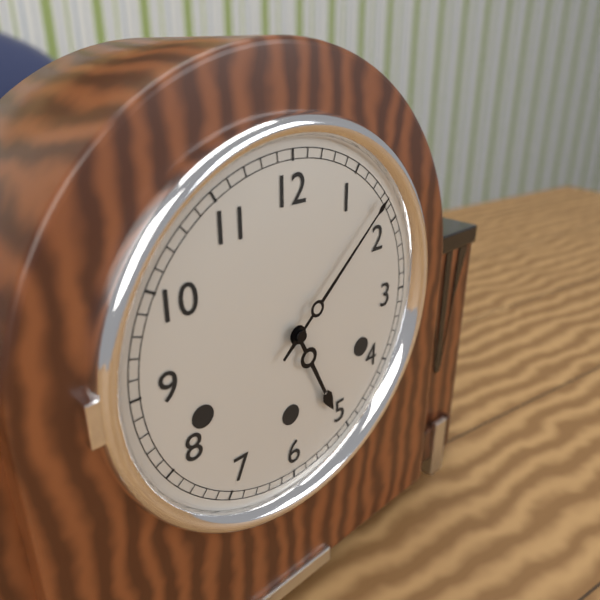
5,08
